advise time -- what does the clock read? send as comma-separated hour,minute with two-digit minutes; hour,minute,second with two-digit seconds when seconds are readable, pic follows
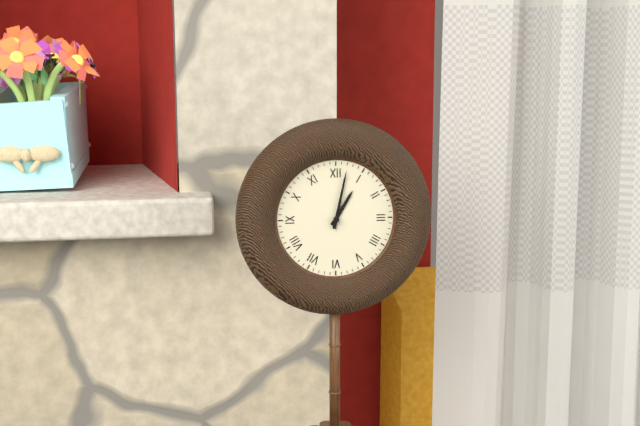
1,02
